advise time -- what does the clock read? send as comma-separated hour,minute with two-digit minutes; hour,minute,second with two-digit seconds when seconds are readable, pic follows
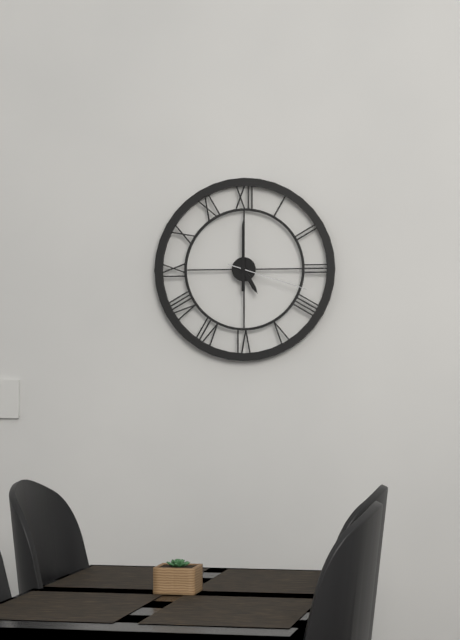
5,00,18
